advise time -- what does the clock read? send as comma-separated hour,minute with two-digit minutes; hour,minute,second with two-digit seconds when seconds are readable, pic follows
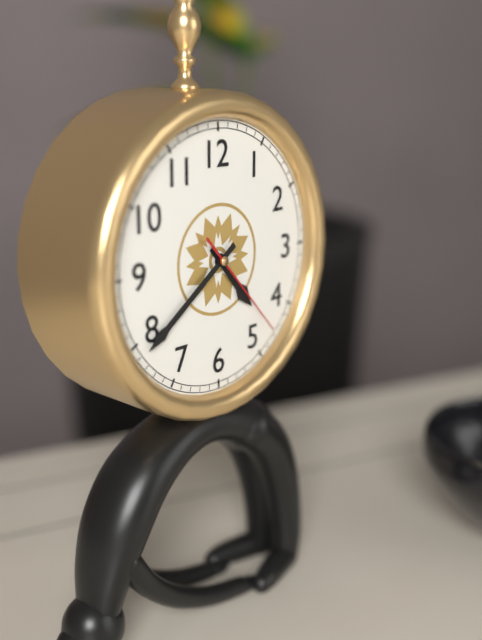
4,39,23
